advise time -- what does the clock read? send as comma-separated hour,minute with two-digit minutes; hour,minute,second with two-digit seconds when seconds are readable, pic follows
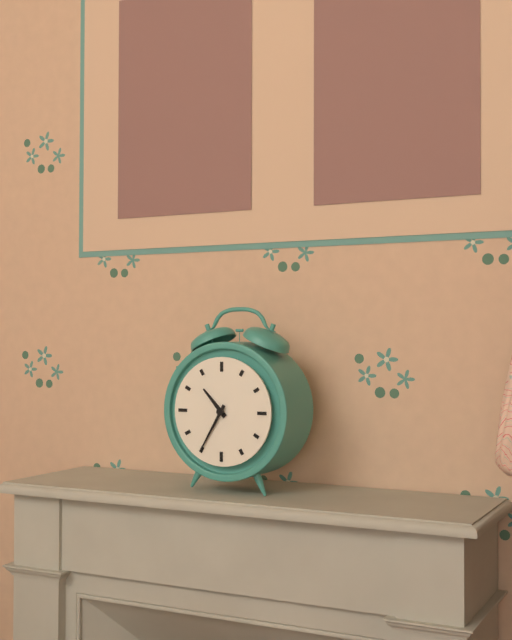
10,35
